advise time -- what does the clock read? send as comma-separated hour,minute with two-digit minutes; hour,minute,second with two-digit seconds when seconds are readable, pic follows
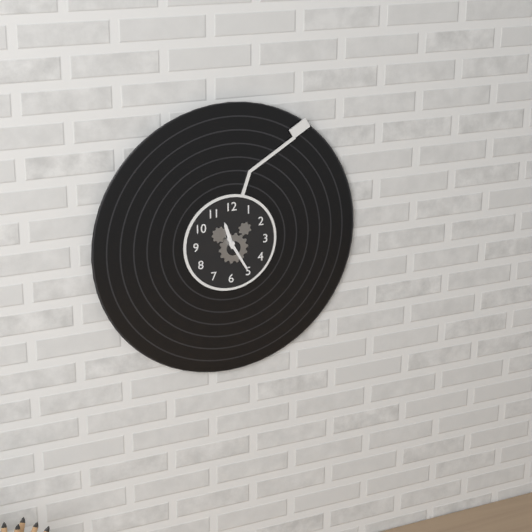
11,25
